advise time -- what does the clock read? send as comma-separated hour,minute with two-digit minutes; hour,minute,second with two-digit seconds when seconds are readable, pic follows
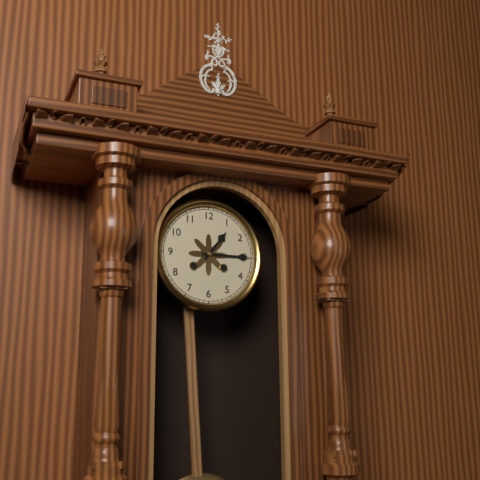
1,15
